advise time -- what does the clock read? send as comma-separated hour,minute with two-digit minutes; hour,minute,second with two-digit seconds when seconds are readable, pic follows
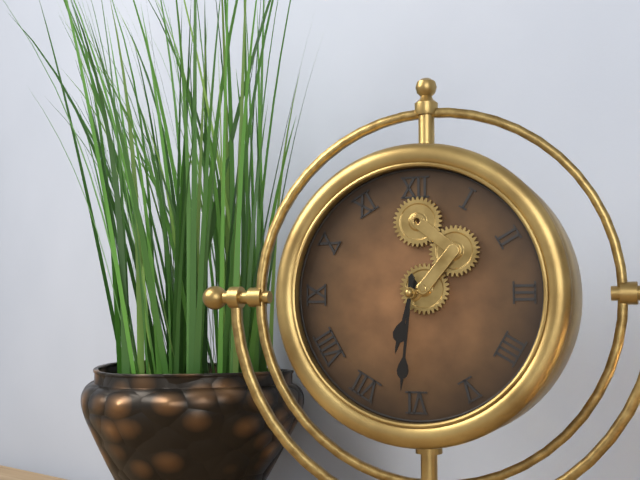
6,31
